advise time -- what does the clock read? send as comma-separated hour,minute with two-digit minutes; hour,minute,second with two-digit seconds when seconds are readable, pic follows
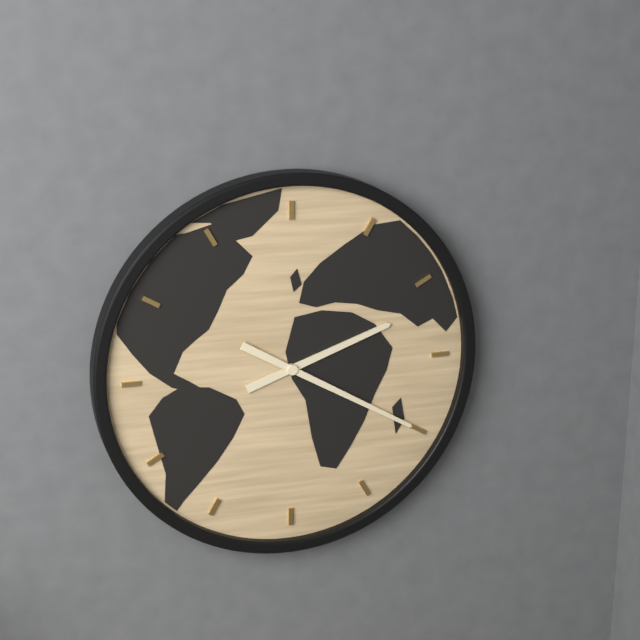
2,20
